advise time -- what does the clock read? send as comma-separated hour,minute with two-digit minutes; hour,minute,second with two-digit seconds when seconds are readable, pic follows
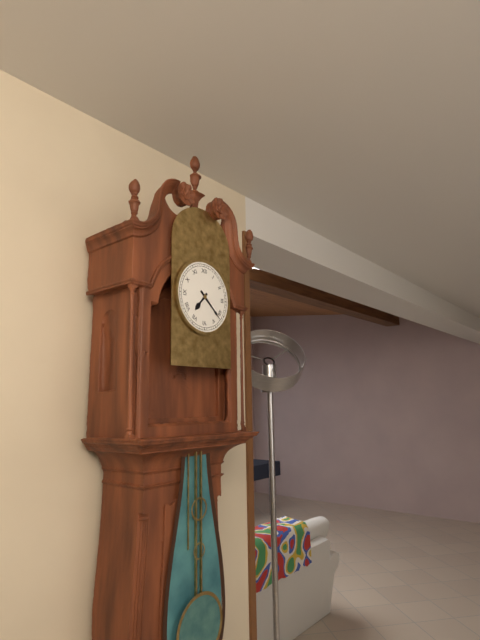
7,22
